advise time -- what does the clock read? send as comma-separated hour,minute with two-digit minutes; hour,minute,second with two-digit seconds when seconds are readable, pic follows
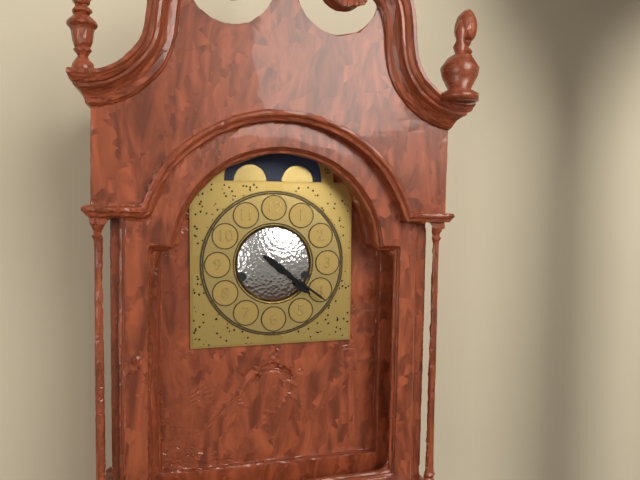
4,21
